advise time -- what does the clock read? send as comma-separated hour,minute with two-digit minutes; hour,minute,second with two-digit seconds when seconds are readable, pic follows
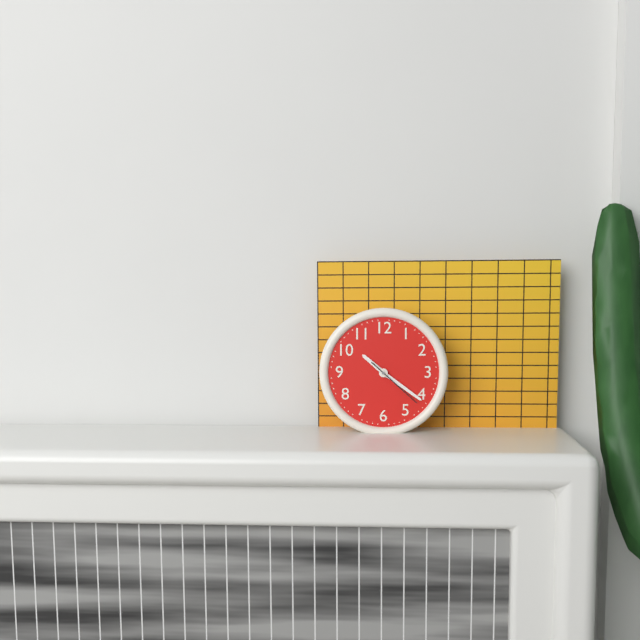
10,21,22
